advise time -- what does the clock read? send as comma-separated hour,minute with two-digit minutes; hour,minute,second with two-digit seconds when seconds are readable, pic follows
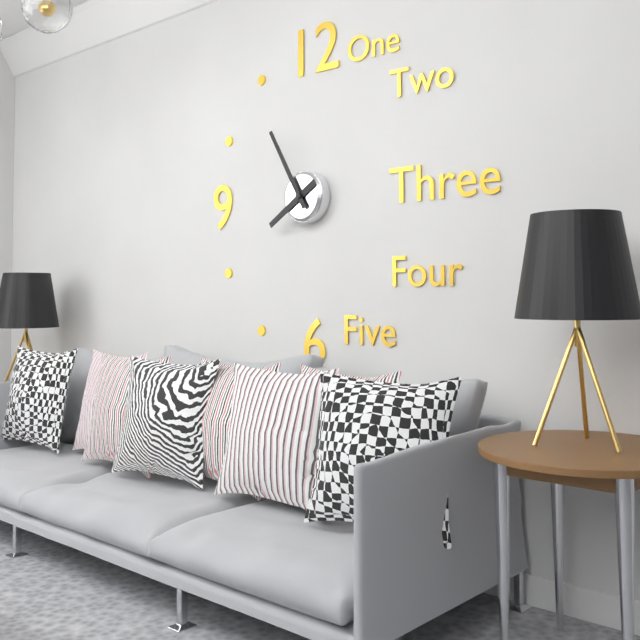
7,55
